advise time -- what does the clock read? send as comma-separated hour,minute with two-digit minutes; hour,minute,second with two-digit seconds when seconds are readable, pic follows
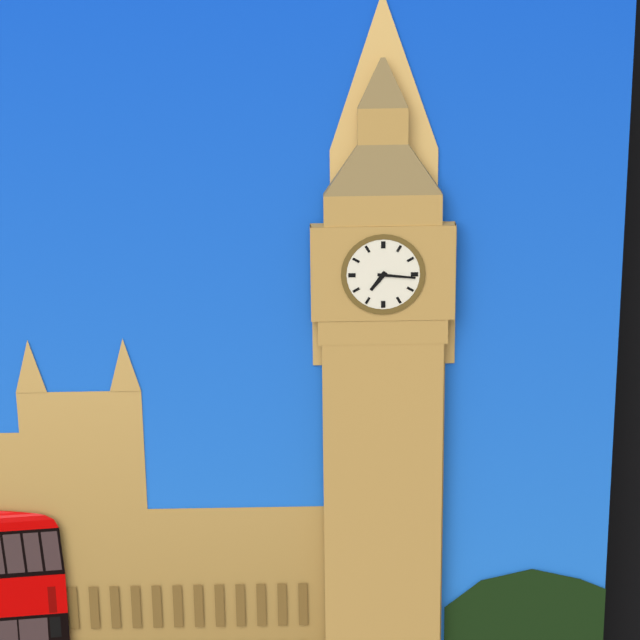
7,16
